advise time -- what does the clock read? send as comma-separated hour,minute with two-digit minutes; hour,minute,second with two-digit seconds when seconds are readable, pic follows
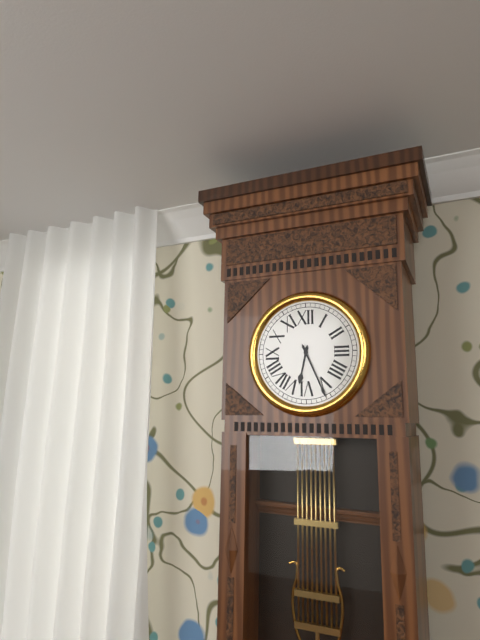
6,26
